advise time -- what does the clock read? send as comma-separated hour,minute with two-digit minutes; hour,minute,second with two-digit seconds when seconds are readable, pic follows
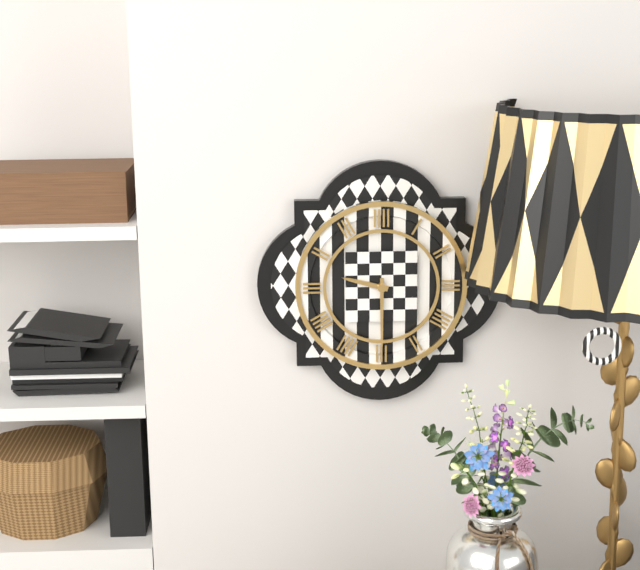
9,30
